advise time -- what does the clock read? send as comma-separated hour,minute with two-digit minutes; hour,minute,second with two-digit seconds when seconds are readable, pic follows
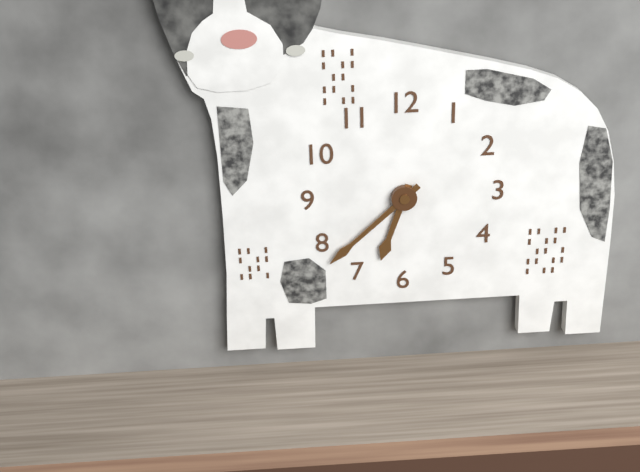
6,38
